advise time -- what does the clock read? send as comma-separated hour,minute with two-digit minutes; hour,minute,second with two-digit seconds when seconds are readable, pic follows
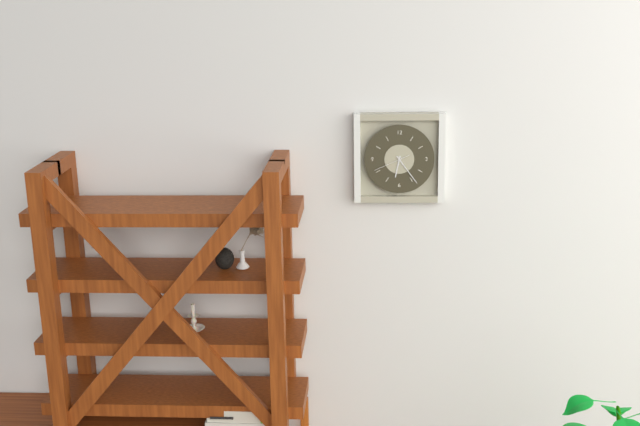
6,24
